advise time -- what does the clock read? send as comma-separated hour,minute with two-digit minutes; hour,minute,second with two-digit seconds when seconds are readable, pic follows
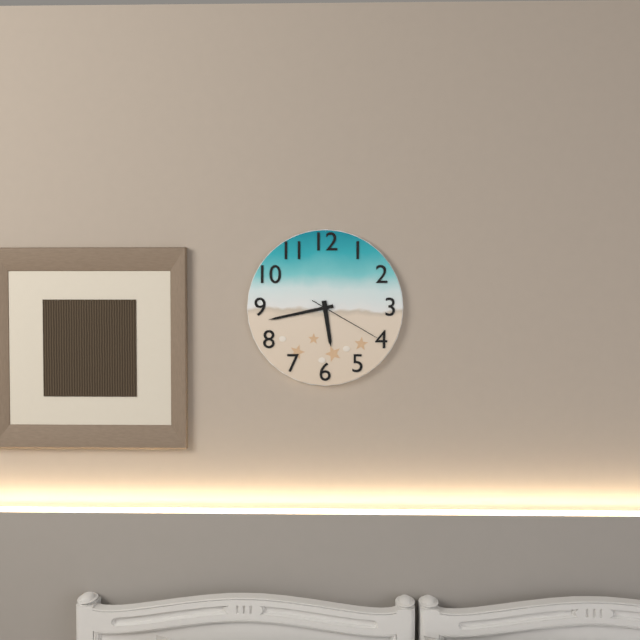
5,43,20
